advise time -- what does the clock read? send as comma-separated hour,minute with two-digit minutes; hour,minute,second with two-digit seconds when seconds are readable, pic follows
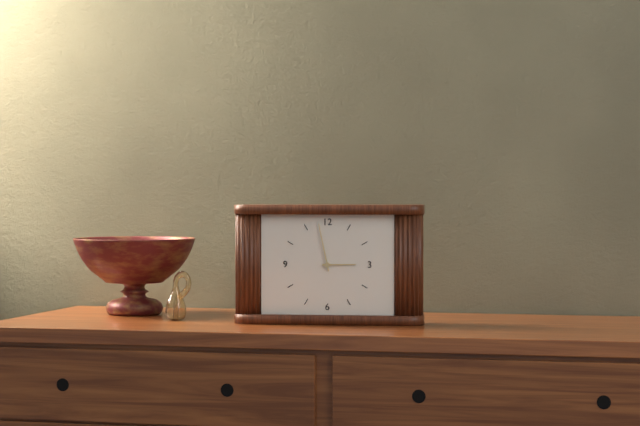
2,58
